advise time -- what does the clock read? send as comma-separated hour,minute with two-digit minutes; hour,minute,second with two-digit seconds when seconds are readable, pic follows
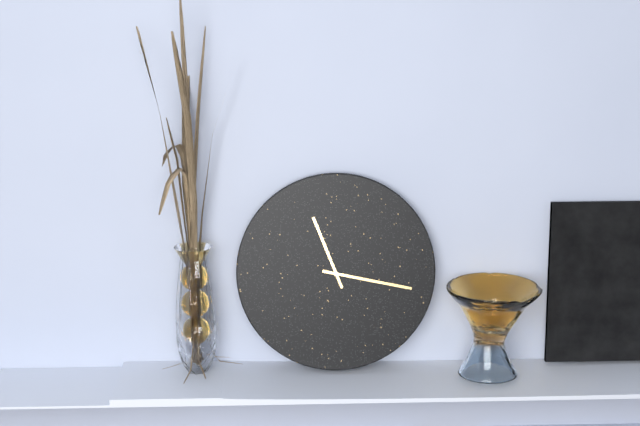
11,17
